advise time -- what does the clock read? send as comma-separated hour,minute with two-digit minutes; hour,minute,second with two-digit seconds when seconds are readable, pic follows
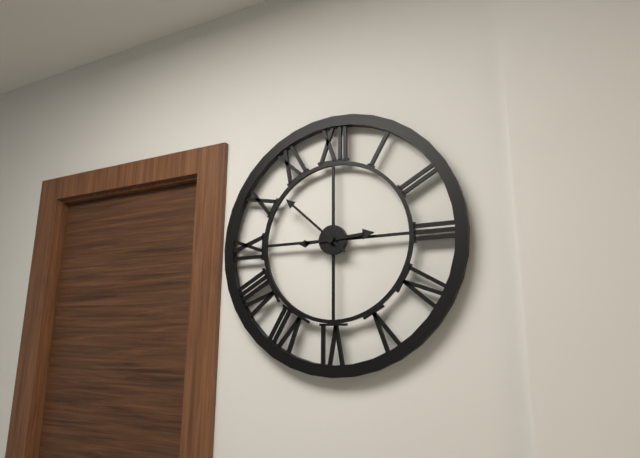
2,52
